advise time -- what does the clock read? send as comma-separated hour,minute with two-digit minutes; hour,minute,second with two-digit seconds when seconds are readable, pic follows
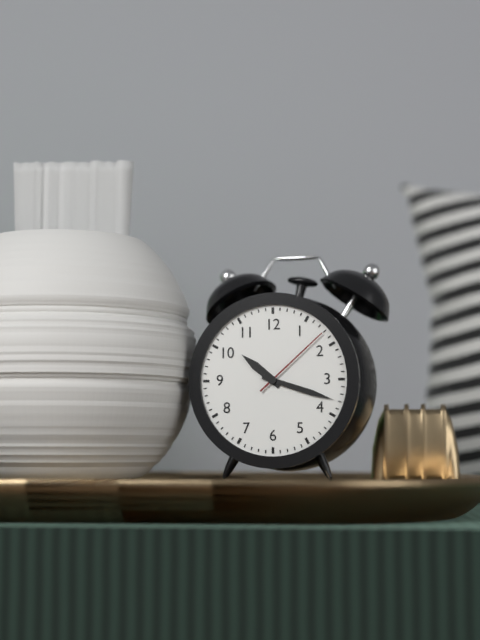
10,18,08
